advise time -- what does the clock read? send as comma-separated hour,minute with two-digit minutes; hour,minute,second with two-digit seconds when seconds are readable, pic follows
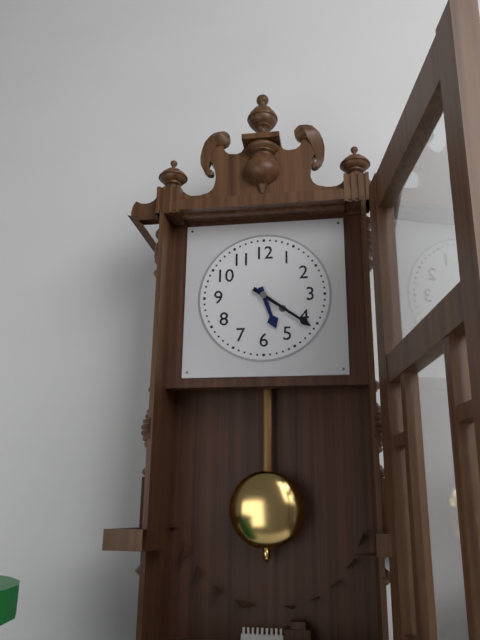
5,21
